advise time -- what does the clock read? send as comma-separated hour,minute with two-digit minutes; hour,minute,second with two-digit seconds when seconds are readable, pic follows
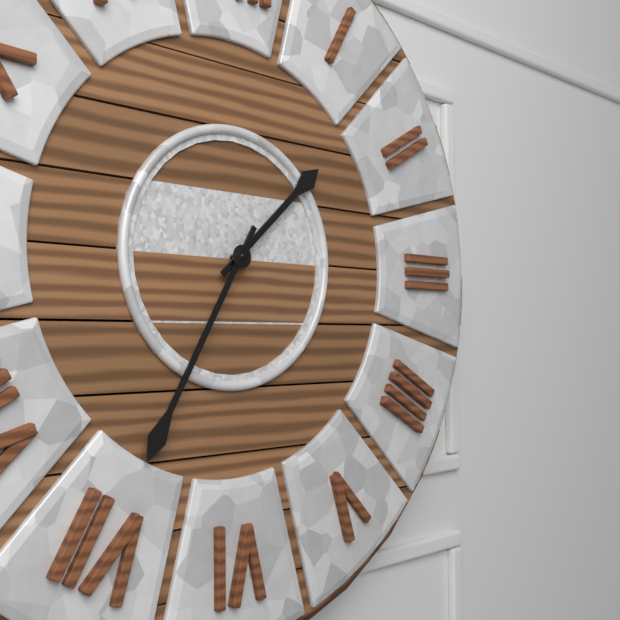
1,35
